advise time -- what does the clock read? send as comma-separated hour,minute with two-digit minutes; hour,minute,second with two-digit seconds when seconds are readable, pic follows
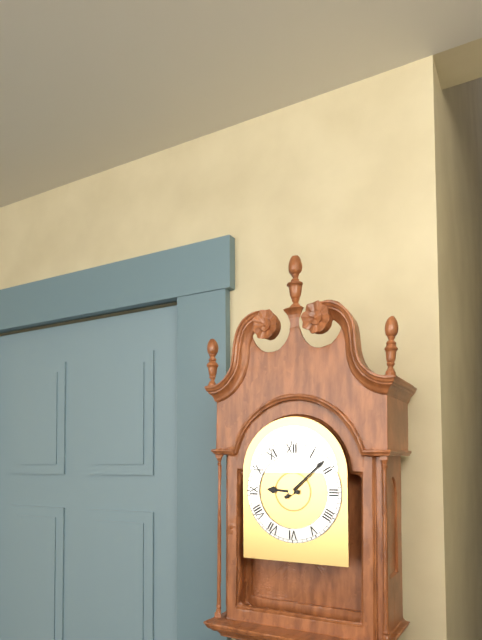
9,08
